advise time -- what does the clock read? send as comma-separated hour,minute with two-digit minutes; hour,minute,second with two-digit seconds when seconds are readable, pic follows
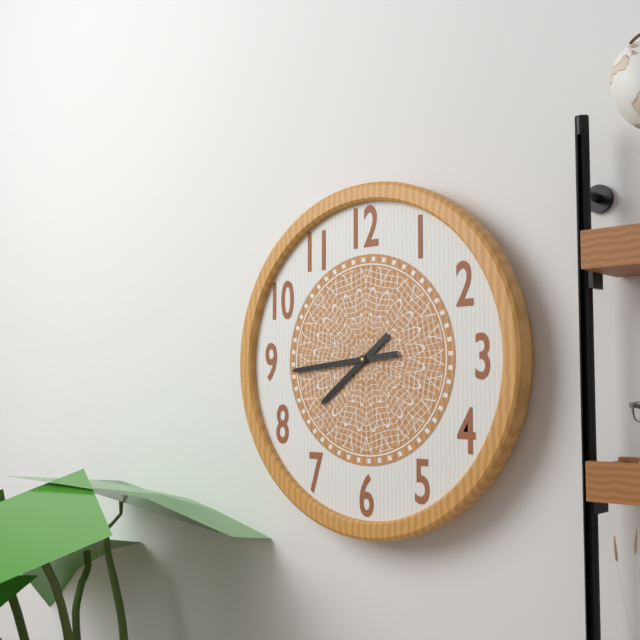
7,44
